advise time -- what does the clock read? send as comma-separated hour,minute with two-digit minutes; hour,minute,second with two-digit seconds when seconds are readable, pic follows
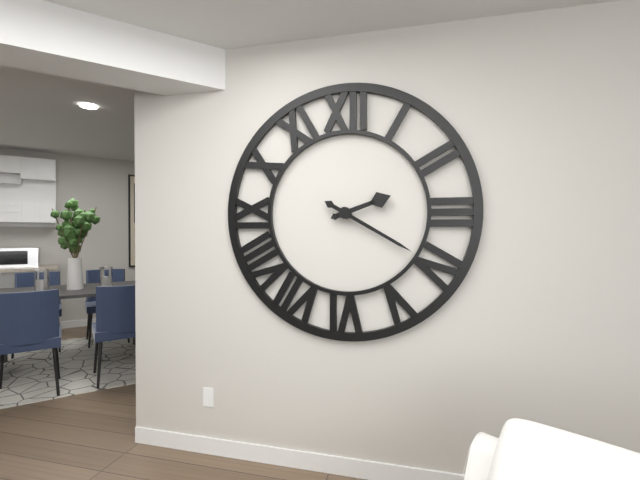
2,20
